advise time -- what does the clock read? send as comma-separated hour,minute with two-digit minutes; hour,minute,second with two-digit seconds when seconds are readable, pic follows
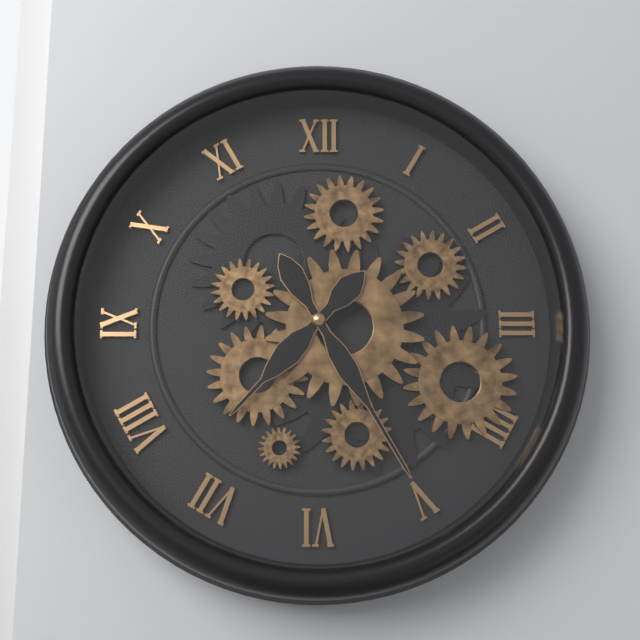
7,25
